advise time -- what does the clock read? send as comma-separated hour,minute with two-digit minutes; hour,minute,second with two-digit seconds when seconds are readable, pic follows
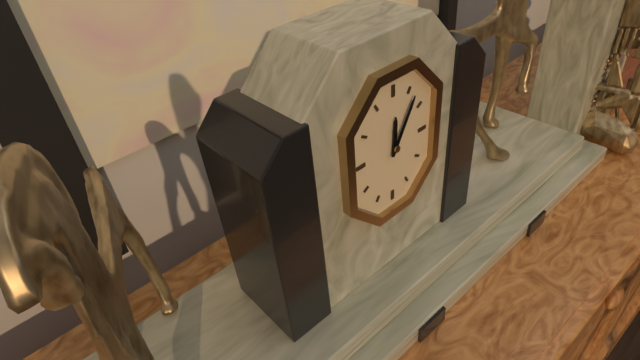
12,05
